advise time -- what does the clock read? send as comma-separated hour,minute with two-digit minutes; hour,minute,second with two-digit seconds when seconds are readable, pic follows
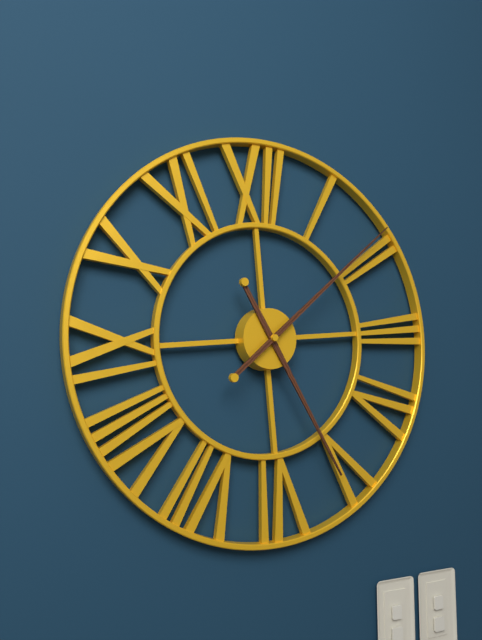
5,09
